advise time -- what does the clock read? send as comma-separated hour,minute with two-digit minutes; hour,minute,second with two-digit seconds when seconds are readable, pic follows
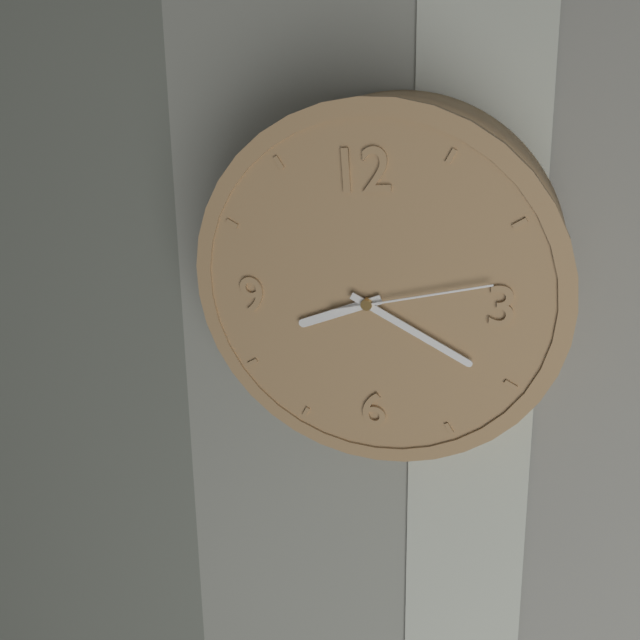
8,20,13
